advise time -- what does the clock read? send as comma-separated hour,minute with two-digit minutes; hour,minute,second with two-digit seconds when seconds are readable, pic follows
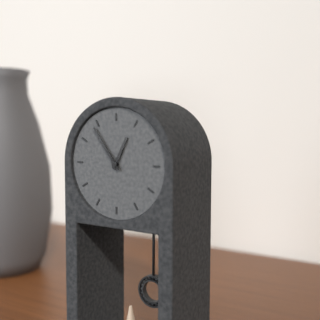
12,54
